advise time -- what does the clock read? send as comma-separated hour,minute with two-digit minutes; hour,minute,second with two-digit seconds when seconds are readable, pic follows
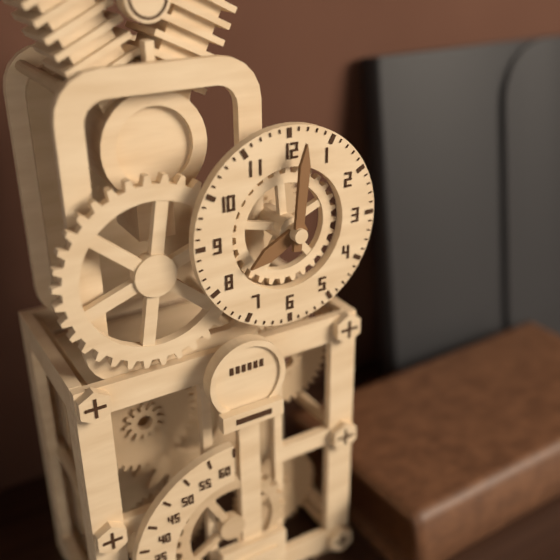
8,01
